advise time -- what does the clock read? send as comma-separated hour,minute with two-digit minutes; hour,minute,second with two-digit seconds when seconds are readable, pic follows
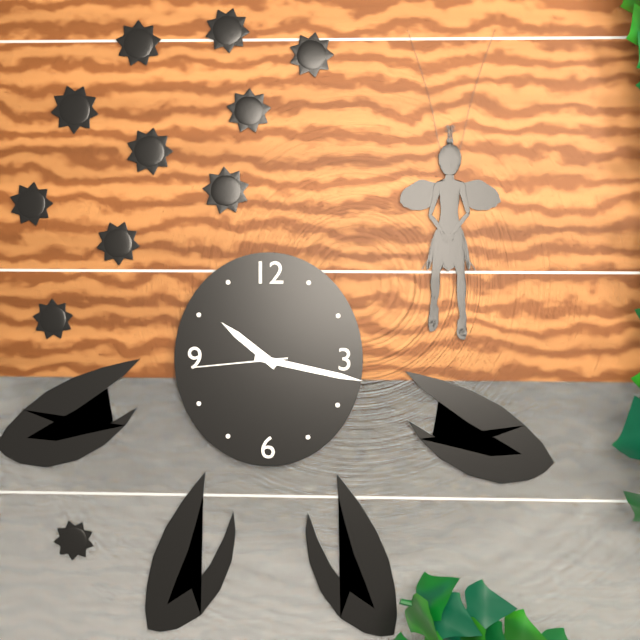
10,17,44
